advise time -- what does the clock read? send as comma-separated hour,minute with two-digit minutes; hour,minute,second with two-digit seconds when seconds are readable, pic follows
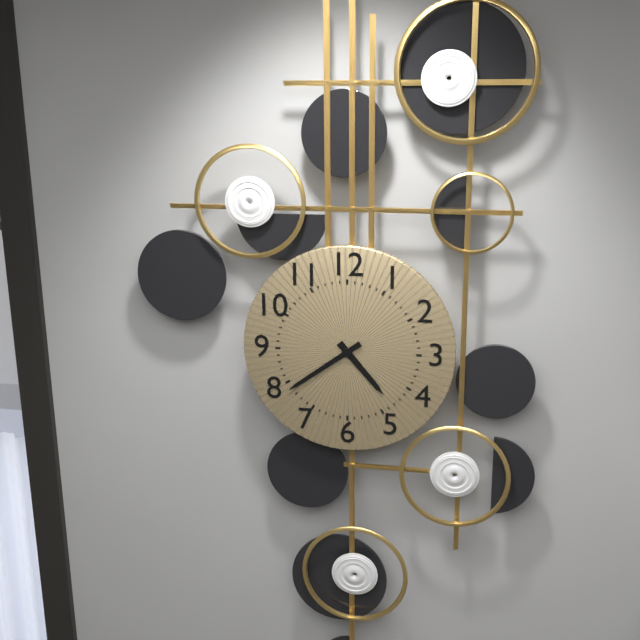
4,39
